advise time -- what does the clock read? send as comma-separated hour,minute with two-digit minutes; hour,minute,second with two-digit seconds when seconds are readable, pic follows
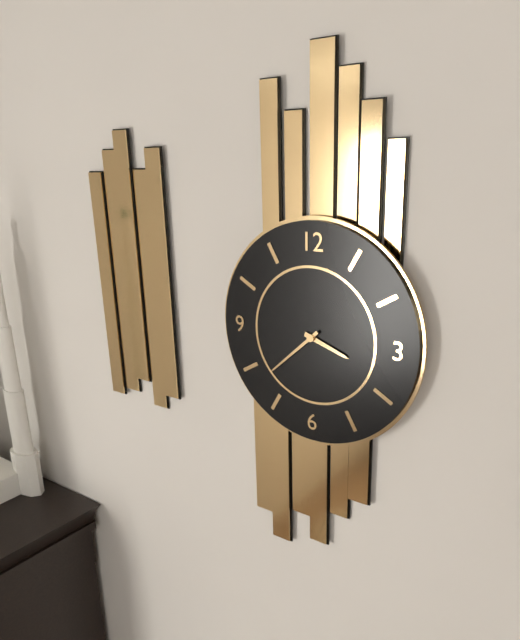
3,38
